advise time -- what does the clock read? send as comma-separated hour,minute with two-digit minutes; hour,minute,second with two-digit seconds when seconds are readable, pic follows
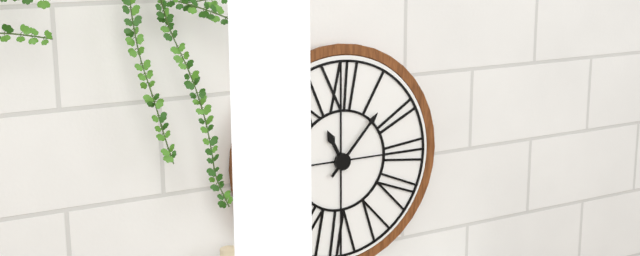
11,07
